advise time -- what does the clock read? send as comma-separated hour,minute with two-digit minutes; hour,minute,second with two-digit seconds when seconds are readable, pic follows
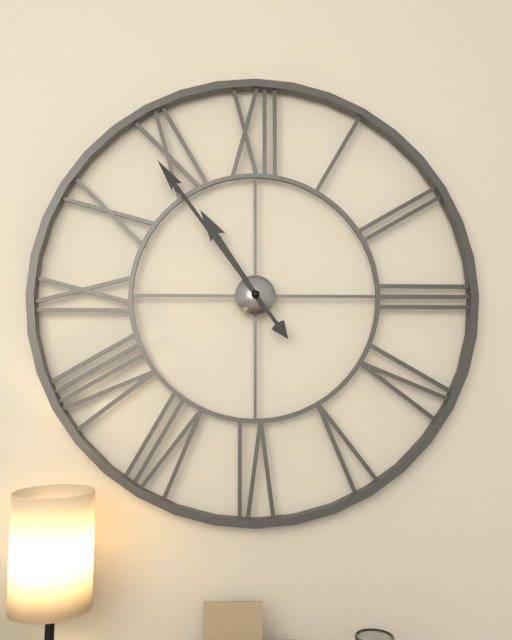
10,54
